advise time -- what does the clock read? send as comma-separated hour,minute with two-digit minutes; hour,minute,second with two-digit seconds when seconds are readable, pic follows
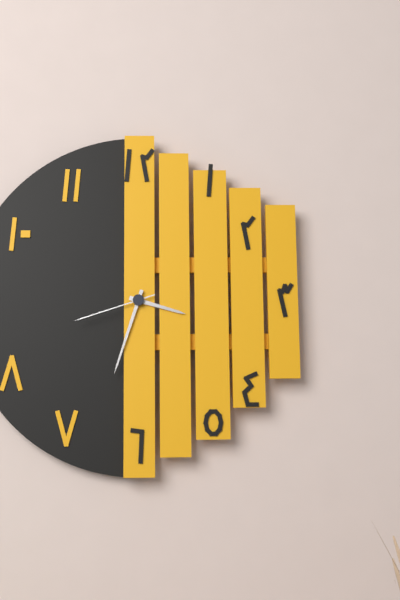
3,33,42
